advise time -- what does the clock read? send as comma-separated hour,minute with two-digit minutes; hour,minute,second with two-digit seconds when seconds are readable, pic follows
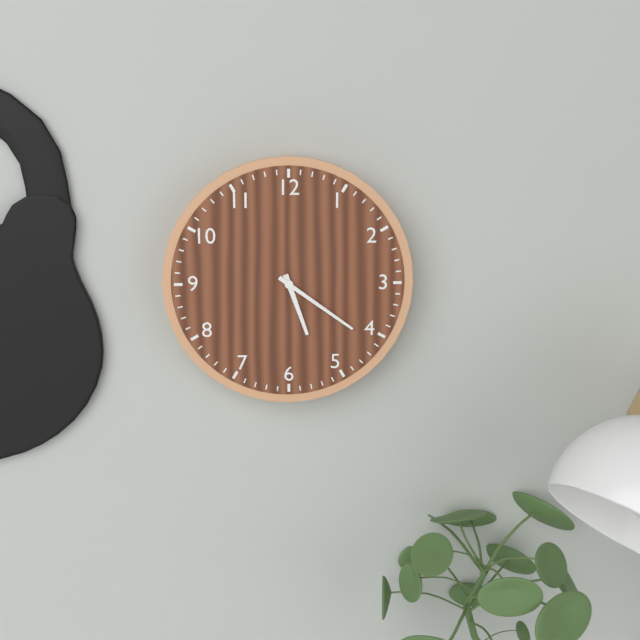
5,21
